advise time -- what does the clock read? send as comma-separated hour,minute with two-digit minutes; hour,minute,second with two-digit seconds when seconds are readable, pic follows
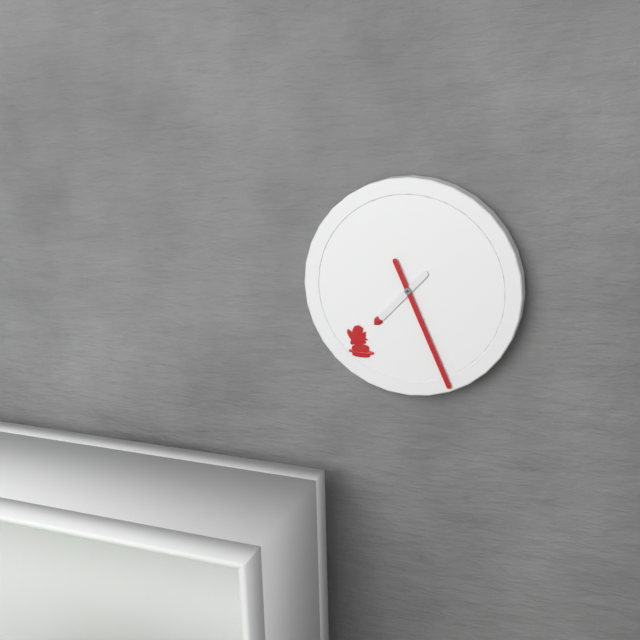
7,26
